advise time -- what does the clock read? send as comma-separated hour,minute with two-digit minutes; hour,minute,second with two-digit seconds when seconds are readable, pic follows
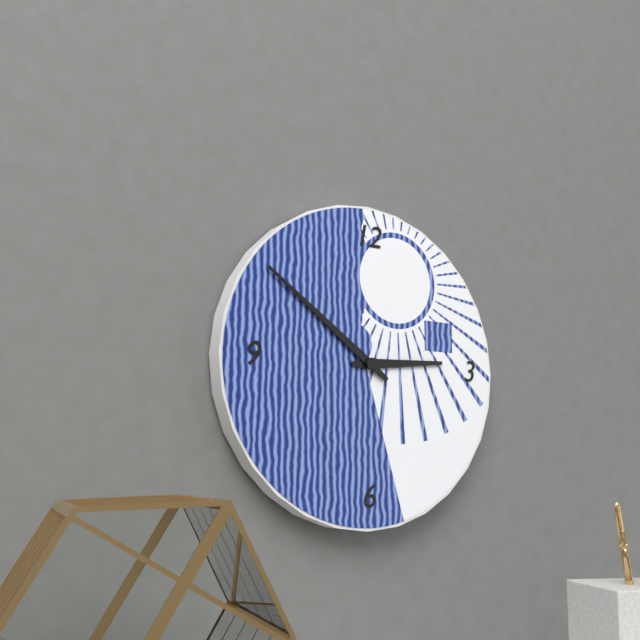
2,51
